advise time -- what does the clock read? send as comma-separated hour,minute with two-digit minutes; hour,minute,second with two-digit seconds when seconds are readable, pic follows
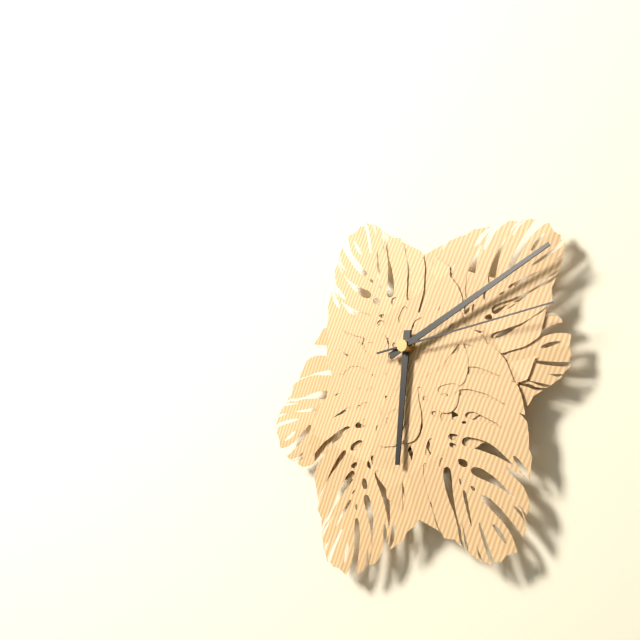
6,11,14
